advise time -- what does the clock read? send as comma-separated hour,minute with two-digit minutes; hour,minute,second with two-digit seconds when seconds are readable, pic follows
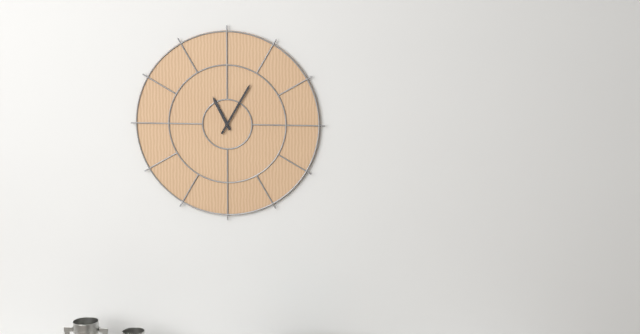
11,05
